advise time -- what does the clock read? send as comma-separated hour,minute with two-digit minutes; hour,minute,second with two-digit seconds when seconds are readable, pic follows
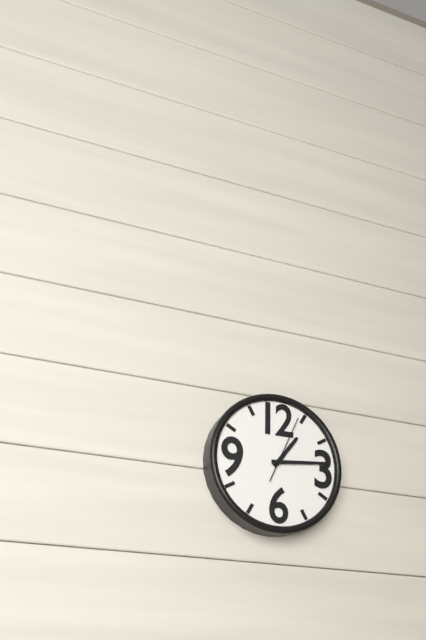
1,14,04
